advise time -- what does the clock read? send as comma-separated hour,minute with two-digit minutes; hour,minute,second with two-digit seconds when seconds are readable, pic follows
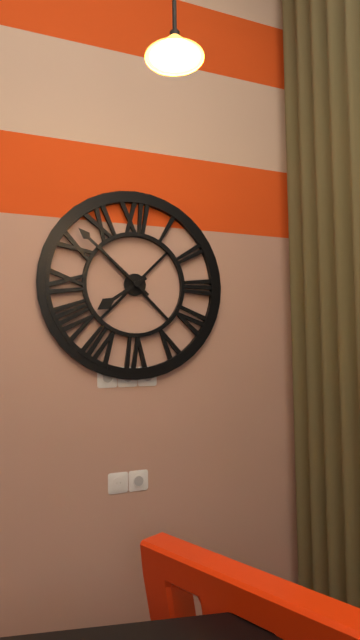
7,52
